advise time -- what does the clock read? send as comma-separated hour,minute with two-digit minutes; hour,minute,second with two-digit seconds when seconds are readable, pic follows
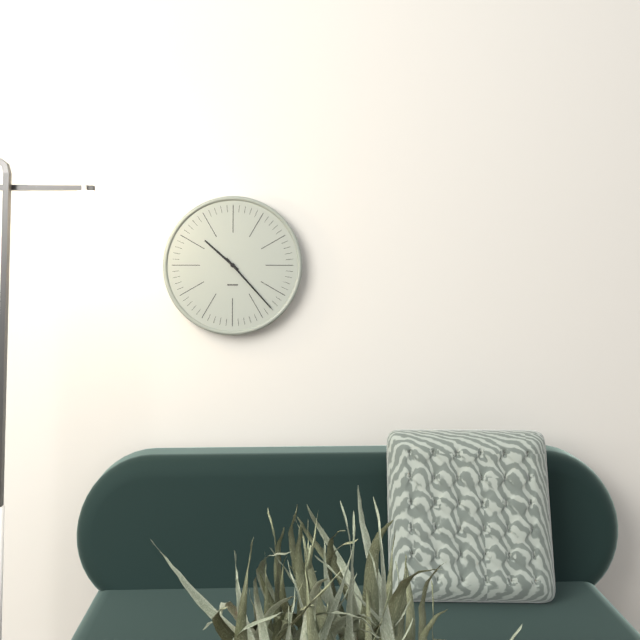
10,23
